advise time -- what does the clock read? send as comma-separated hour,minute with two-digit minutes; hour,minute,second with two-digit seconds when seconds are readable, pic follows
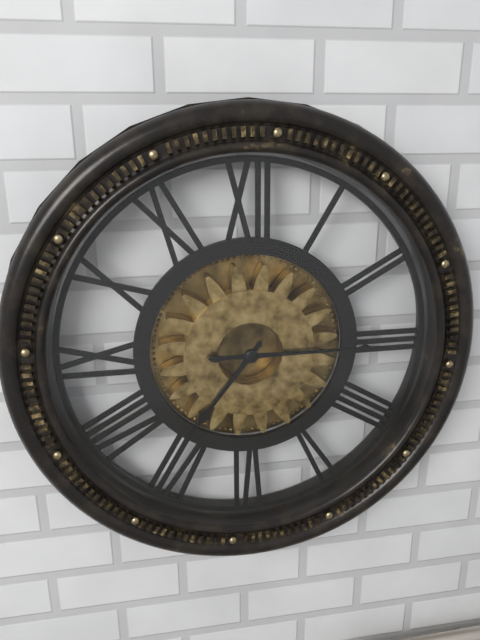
7,15
